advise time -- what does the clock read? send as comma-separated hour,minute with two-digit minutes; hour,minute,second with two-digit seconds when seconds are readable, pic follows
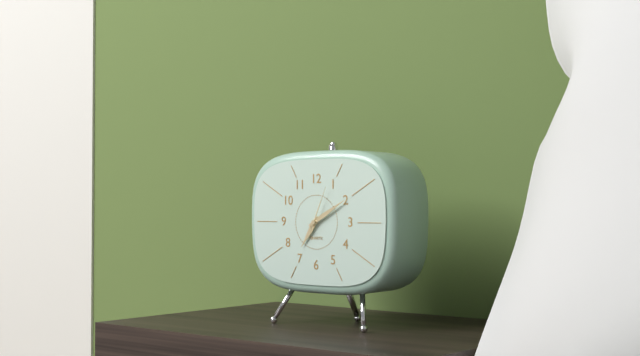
7,10
